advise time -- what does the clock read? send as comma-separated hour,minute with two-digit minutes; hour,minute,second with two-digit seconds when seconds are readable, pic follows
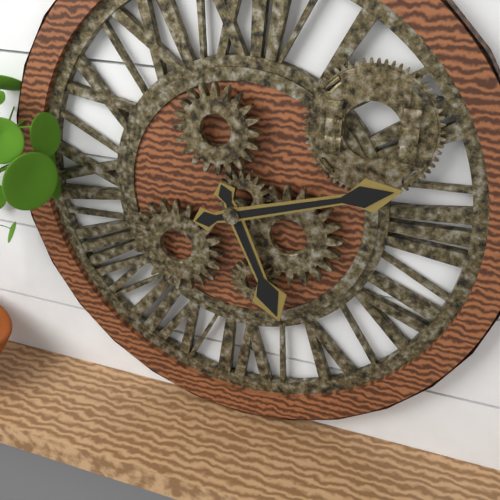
5,12
